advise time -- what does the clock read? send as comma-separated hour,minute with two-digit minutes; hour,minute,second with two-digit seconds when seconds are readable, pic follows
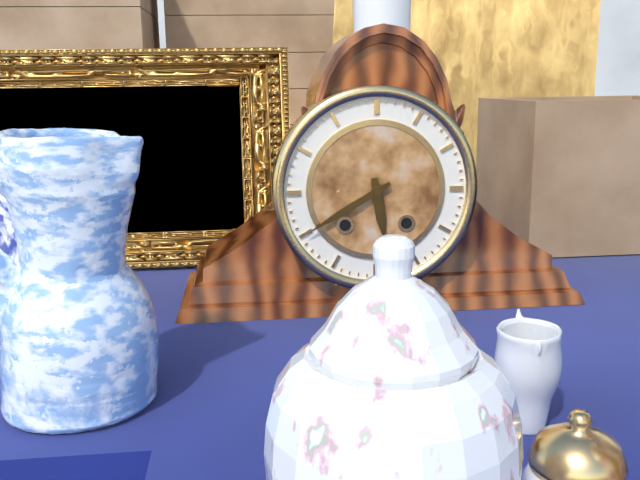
5,40
